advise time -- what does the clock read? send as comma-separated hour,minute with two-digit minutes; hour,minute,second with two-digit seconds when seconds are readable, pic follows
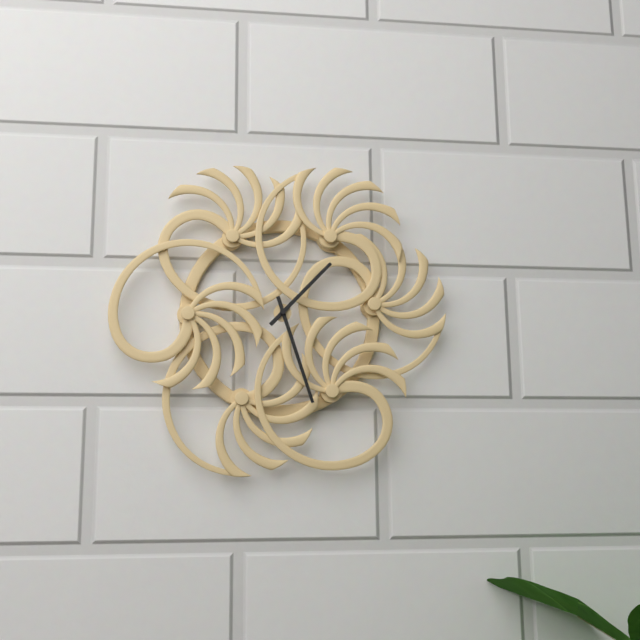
1,27
